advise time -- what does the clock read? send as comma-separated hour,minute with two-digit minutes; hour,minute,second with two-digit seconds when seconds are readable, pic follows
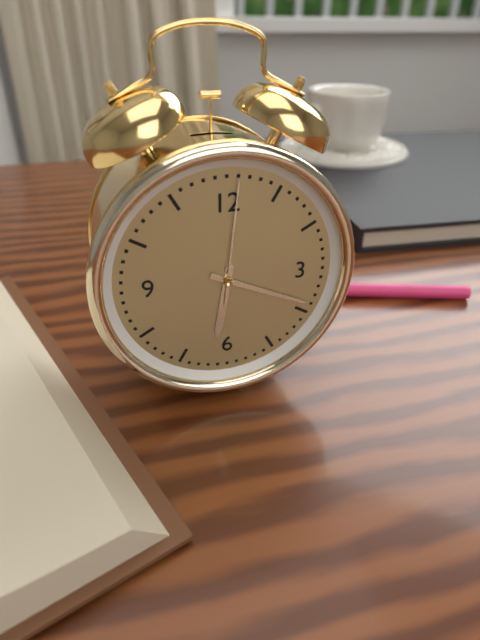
6,19,01
